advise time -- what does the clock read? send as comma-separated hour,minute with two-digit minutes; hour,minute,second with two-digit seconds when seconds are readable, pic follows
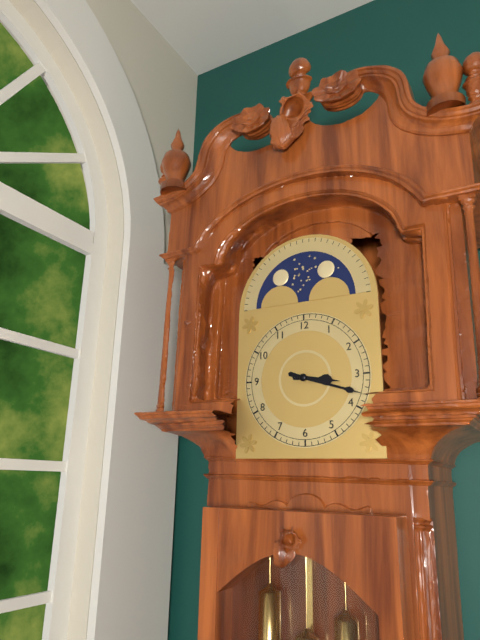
3,18
